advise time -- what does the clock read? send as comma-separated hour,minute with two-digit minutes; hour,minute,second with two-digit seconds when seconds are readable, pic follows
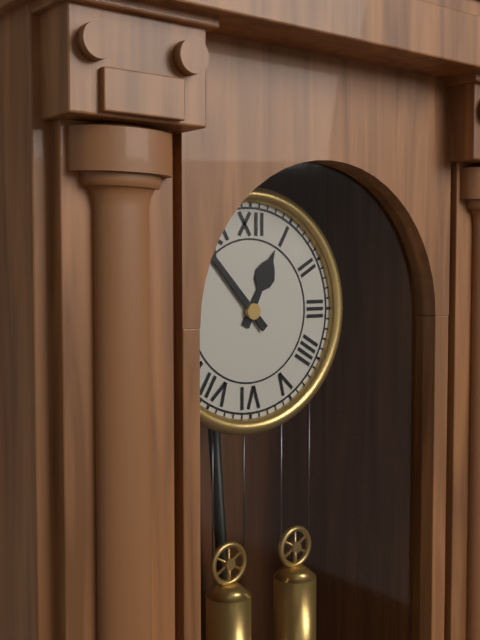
12,53
